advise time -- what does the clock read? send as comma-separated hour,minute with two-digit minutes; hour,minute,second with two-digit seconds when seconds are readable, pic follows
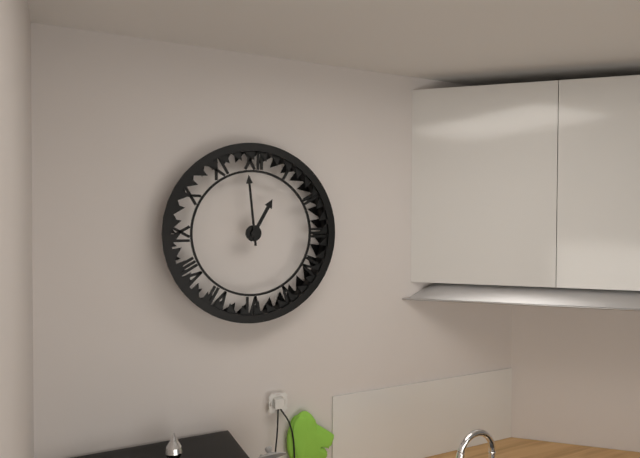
12,59
